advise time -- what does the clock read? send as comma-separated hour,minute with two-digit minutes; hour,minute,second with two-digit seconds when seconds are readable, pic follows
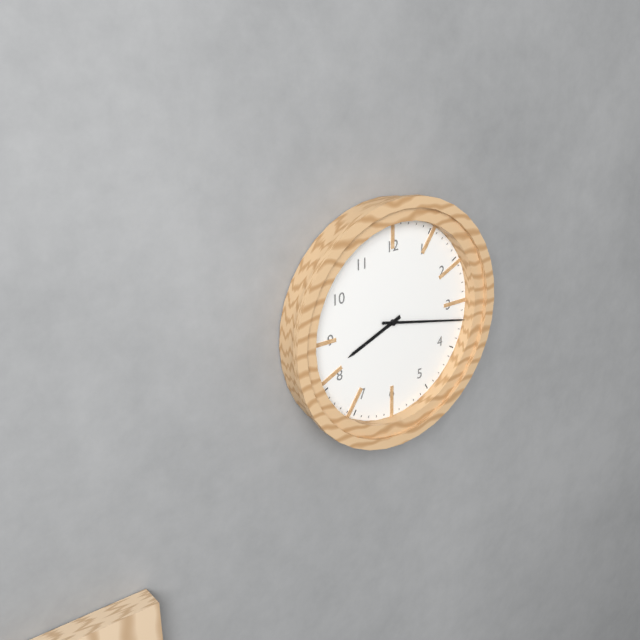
8,17
